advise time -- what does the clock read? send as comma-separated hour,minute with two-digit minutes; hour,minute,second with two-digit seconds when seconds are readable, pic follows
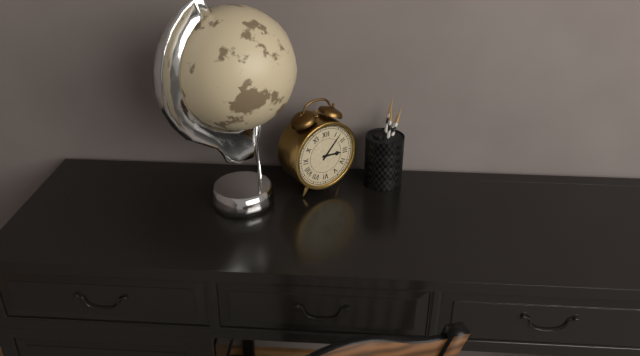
3,07
